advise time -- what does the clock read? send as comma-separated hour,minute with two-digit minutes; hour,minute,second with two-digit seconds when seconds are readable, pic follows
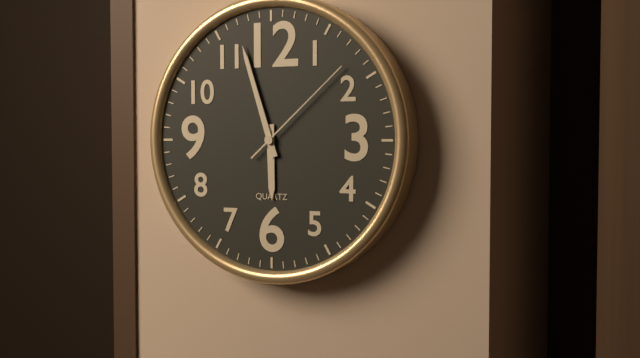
5,57,08
